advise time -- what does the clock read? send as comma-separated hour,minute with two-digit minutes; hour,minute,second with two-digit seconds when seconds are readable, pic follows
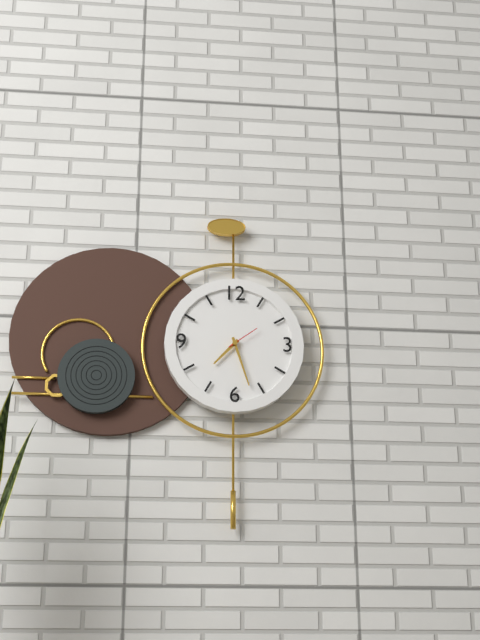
7,27
